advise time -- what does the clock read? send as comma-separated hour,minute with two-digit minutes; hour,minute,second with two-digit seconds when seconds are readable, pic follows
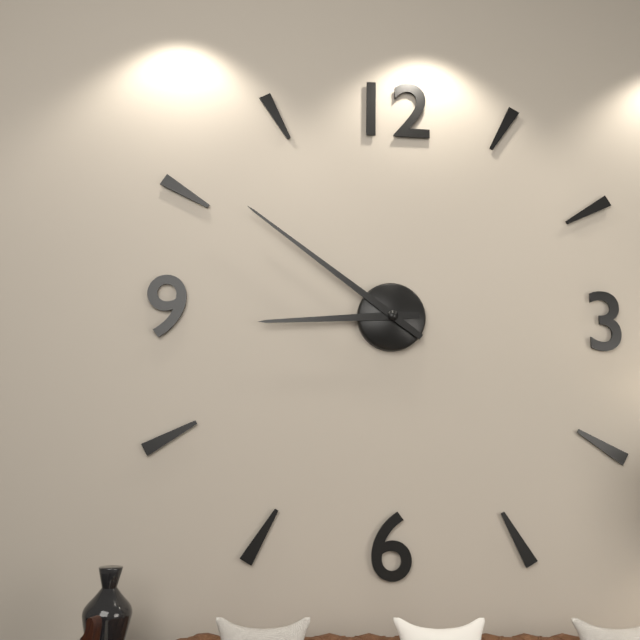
8,51
